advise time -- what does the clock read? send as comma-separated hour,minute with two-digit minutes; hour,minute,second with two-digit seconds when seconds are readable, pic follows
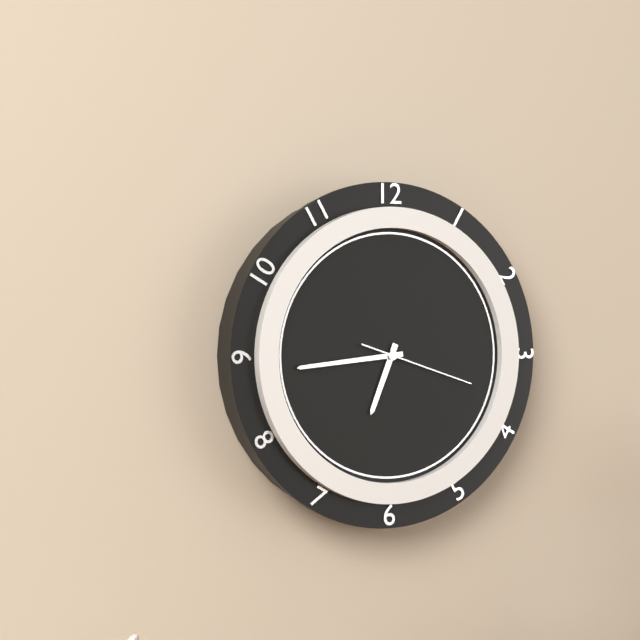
6,44,18
